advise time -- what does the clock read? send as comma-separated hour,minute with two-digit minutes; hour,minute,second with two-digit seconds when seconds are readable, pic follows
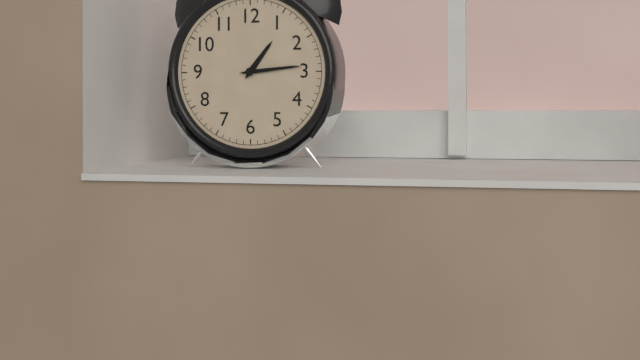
1,14
